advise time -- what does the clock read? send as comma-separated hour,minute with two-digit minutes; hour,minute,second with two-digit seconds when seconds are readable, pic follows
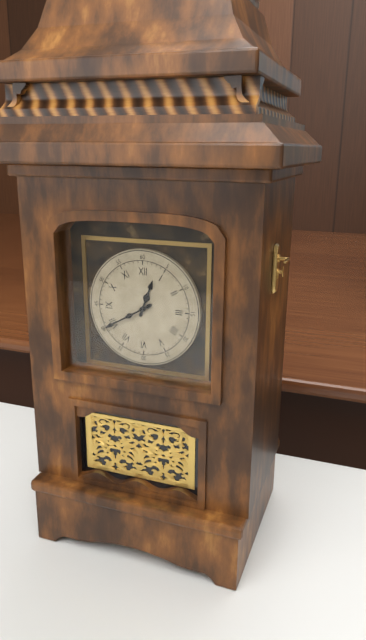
12,40
